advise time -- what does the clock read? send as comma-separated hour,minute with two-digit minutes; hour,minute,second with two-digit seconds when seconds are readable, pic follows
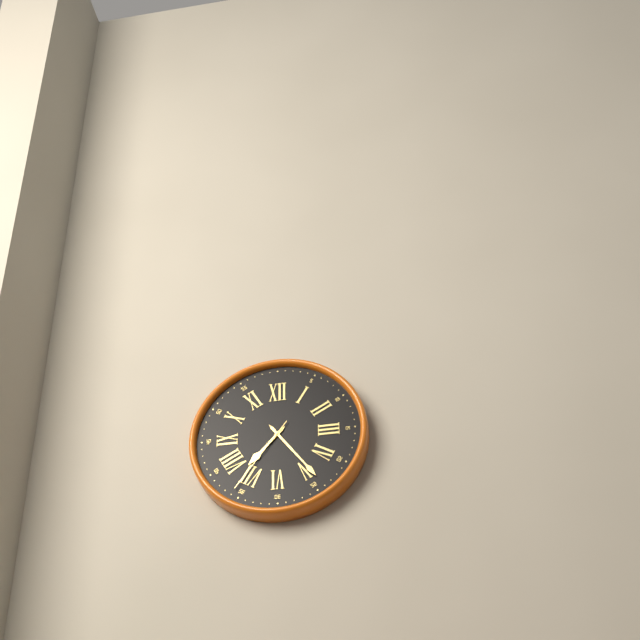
7,24,36
